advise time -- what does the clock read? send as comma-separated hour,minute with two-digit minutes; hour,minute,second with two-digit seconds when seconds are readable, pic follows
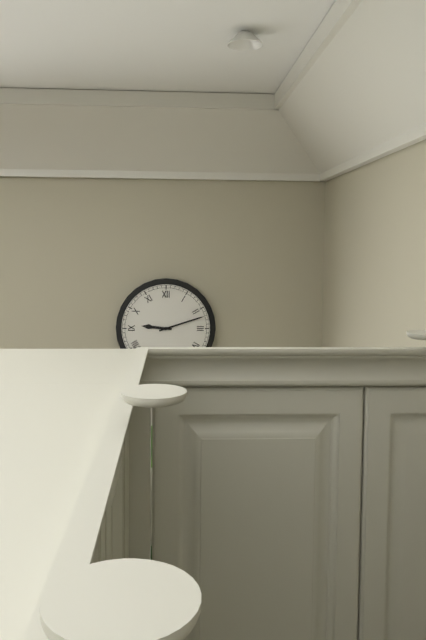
9,12
